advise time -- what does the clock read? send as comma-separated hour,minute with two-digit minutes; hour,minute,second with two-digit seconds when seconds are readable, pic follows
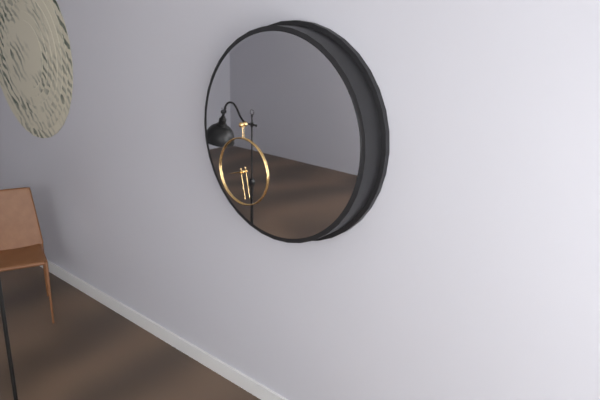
8,28
